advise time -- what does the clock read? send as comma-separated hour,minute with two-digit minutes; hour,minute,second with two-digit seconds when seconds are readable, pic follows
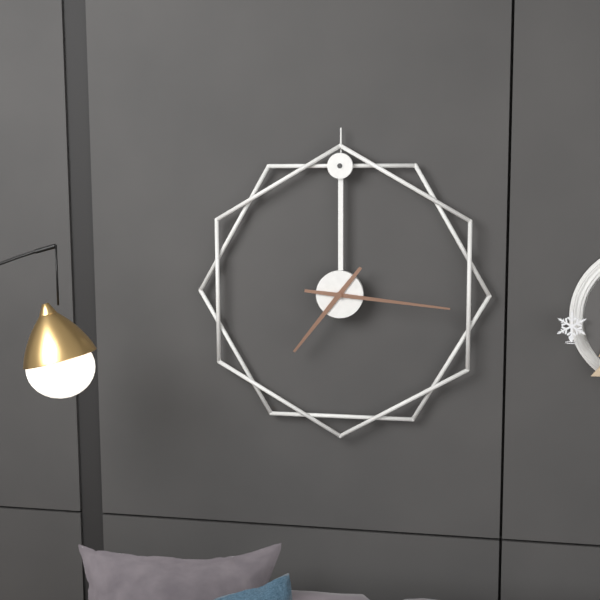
7,16
